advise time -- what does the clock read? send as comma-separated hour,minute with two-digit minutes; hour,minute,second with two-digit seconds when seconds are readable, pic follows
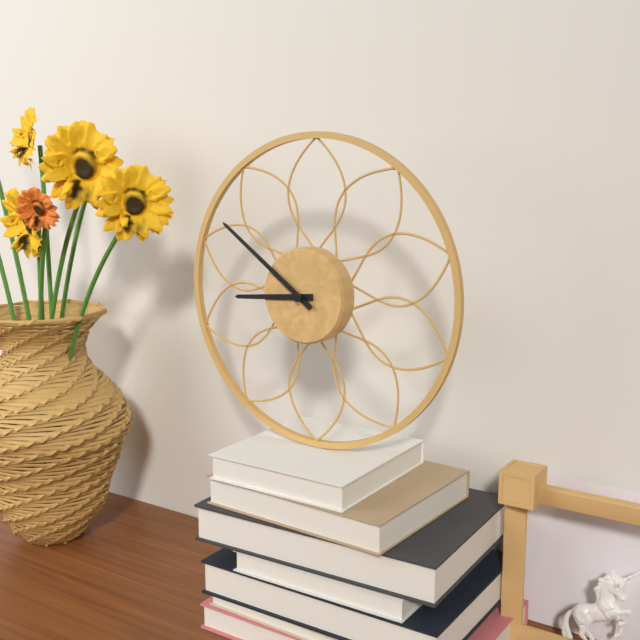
8,51
